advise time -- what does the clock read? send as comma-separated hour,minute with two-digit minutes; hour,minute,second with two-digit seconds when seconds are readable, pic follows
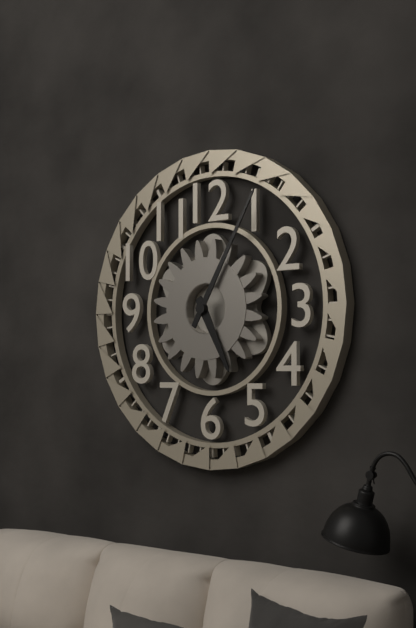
5,05
